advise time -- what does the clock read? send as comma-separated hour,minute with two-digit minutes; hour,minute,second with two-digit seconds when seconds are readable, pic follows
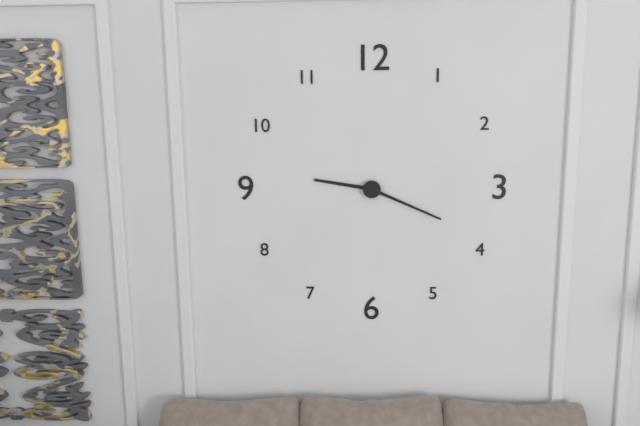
9,19
